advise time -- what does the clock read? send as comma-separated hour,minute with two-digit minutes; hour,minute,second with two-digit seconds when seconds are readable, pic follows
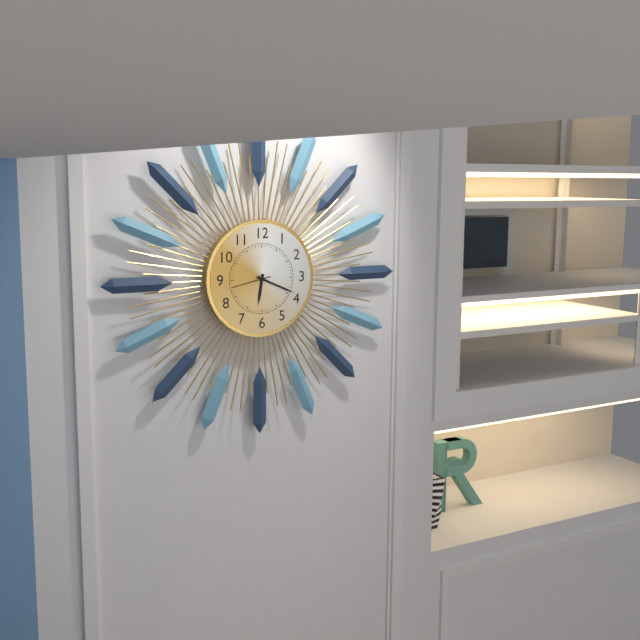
6,19
